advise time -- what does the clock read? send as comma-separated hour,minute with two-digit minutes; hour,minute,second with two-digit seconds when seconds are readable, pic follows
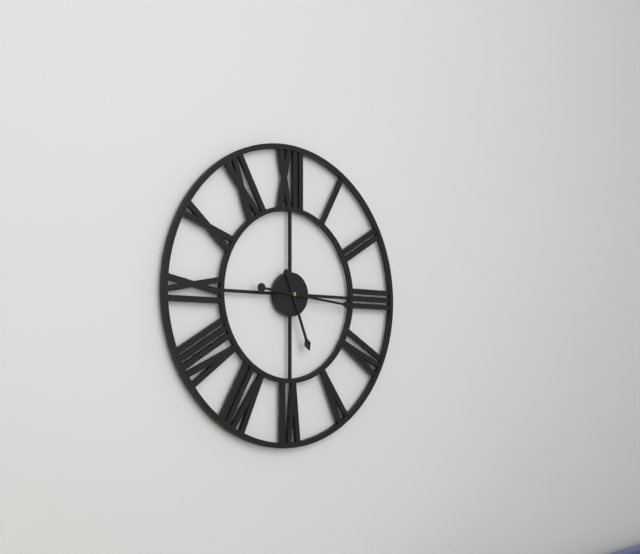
5,16
